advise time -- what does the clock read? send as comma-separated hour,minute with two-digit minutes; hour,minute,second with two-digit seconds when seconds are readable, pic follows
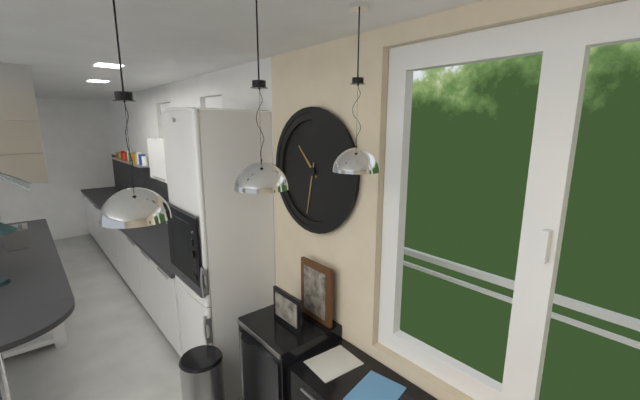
10,32
